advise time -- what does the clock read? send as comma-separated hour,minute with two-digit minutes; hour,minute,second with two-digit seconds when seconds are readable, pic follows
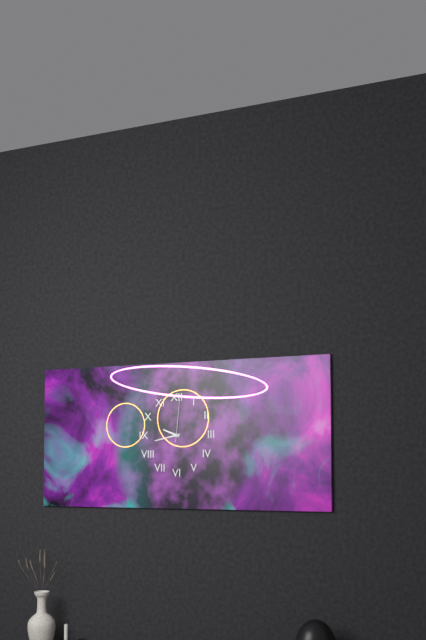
9,43
